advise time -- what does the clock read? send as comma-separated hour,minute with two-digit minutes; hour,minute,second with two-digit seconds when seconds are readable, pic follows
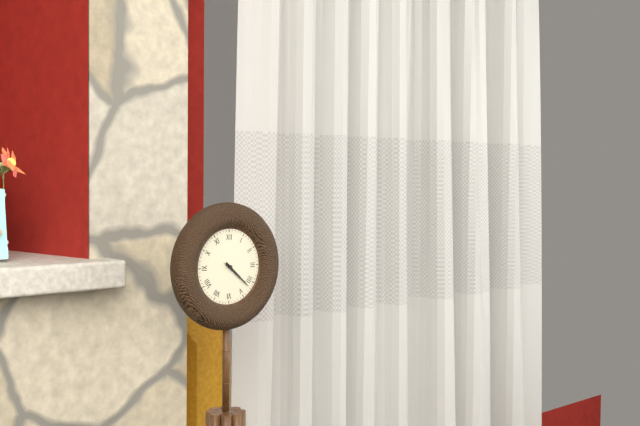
4,22
